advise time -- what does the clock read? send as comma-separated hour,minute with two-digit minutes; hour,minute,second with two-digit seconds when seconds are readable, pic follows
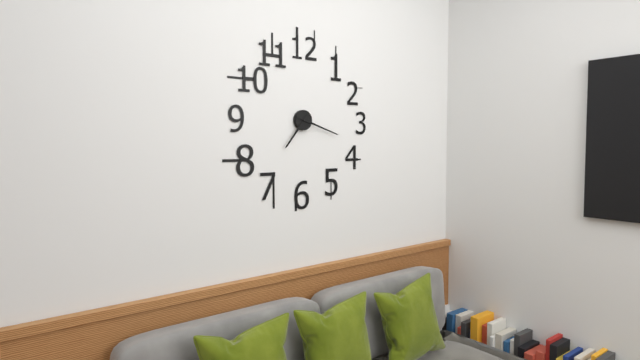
7,18
